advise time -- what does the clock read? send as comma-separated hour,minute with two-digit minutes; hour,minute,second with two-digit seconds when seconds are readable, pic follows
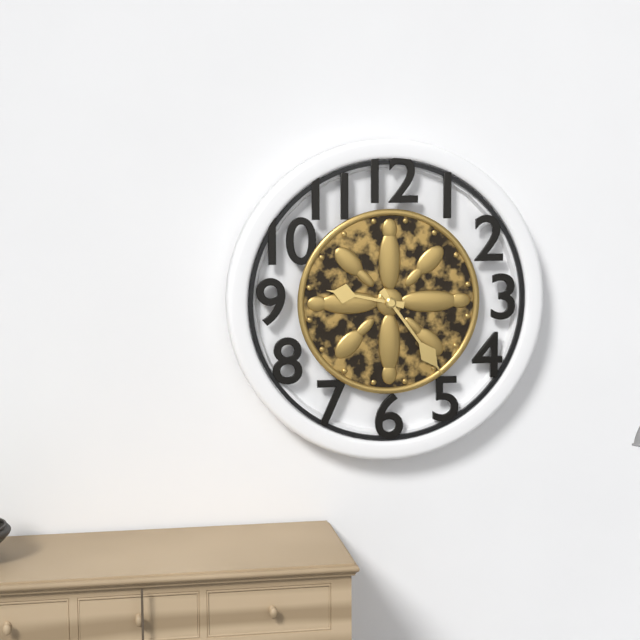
9,24
